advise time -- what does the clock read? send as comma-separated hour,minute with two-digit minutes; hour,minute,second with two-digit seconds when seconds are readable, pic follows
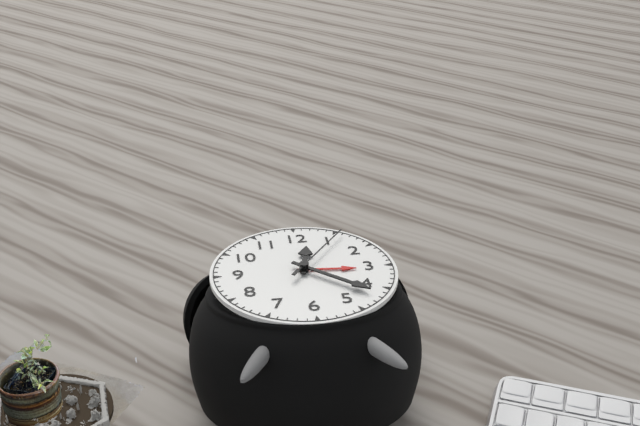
12,22,06
